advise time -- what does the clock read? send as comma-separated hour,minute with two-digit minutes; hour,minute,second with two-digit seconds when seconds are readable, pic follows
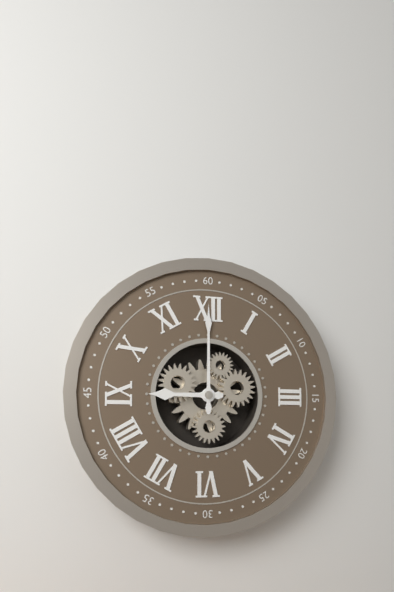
9,00
